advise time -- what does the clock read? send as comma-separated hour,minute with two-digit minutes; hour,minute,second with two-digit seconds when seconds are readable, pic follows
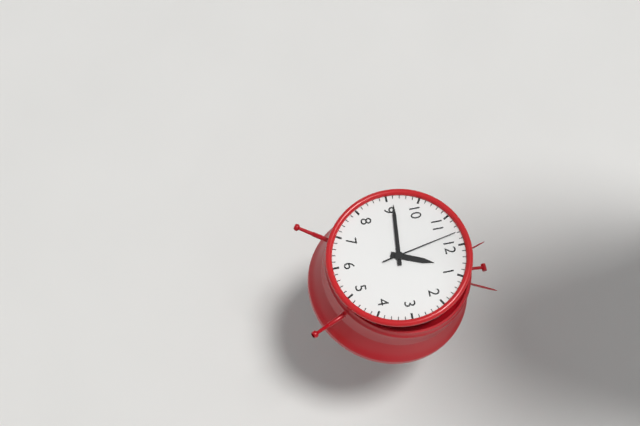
12,46,58
